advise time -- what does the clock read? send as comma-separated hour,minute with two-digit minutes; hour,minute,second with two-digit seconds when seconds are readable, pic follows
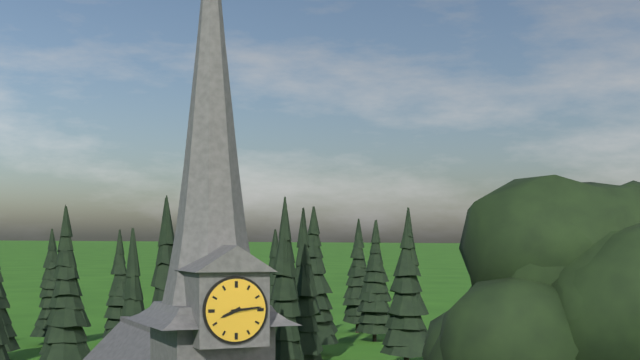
8,14
